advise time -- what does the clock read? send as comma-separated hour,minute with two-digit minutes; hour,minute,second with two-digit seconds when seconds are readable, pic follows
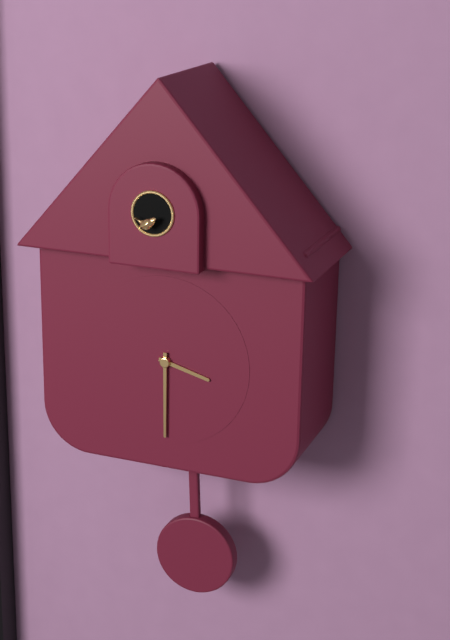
3,30
